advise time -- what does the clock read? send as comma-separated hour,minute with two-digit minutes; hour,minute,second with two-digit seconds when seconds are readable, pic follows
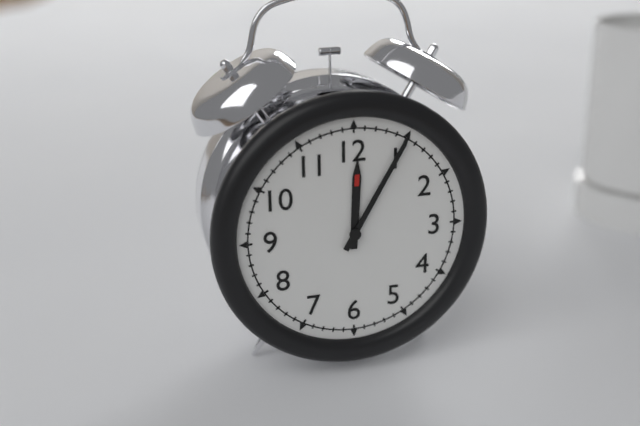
12,05
